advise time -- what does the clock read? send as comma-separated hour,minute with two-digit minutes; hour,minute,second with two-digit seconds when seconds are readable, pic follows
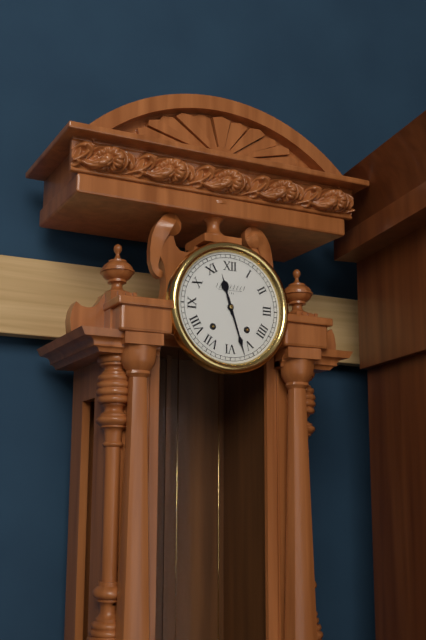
11,27
